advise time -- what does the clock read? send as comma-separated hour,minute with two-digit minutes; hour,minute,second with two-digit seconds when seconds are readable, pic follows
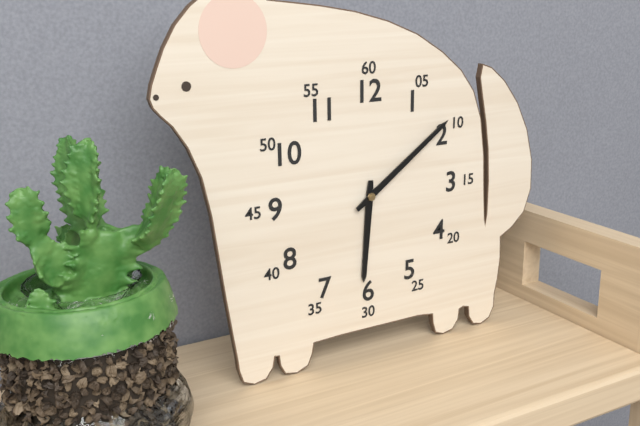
6,09
